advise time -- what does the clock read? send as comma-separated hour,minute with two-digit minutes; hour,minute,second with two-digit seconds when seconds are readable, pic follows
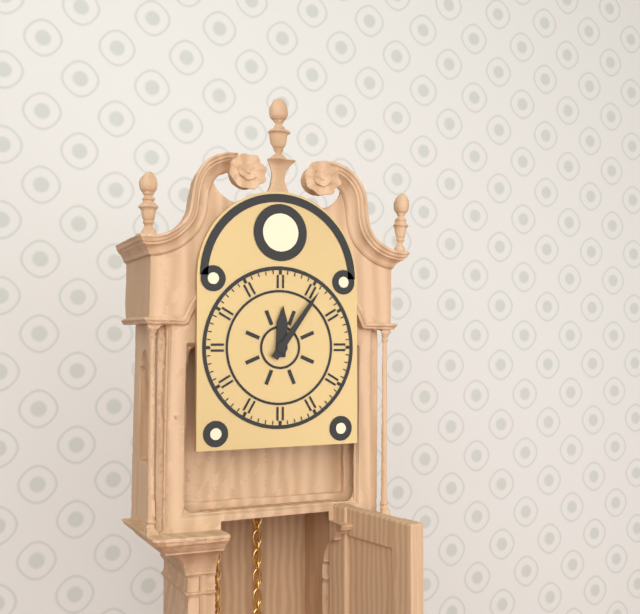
12,06
